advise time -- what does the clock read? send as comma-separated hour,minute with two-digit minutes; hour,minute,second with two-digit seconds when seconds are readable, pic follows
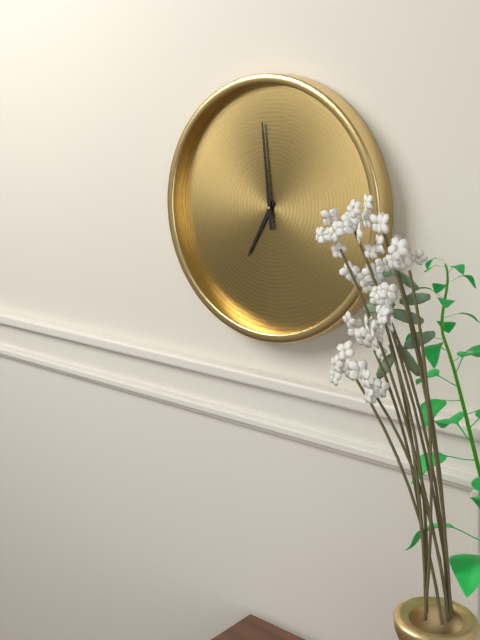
6,59
